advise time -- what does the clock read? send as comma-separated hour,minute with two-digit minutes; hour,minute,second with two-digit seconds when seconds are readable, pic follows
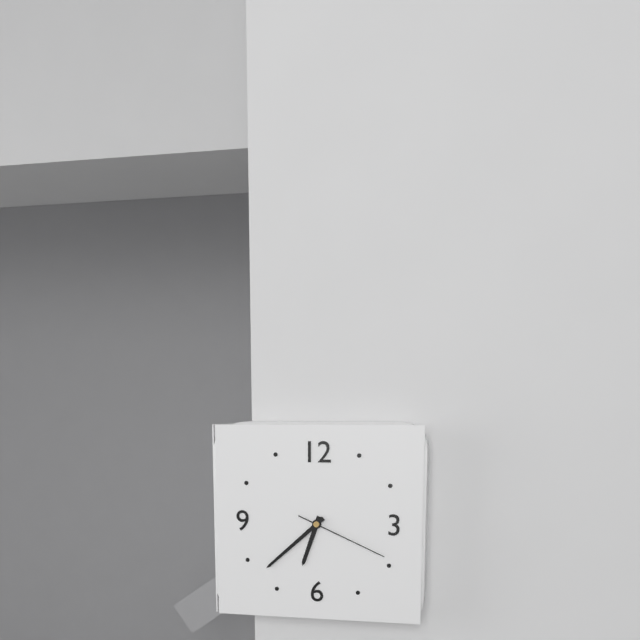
6,38,19
